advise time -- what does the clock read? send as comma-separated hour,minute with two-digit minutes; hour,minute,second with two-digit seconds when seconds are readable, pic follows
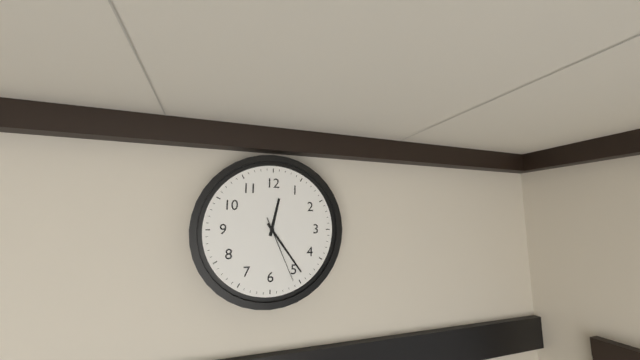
12,24,26
